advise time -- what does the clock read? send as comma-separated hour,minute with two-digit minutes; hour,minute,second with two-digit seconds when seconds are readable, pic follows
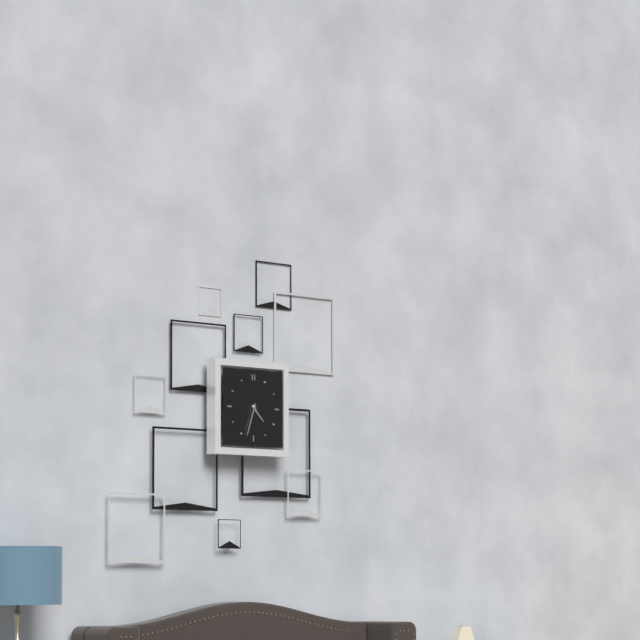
4,33
